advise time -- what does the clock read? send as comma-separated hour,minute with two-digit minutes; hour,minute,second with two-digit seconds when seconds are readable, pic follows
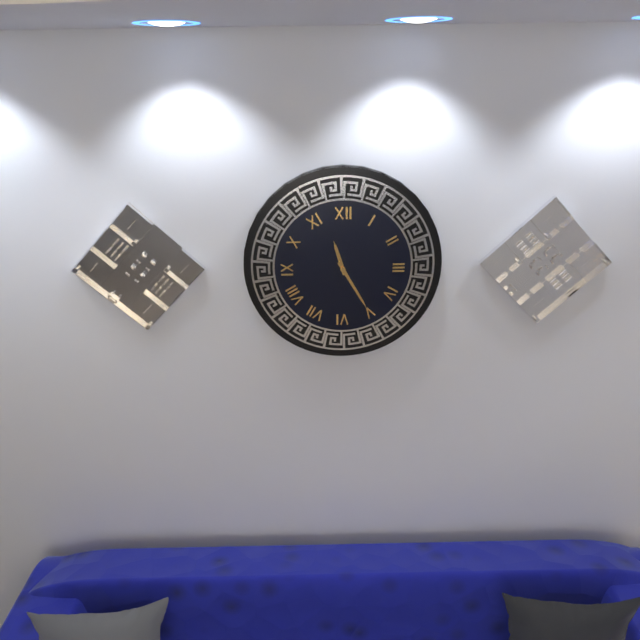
11,25
